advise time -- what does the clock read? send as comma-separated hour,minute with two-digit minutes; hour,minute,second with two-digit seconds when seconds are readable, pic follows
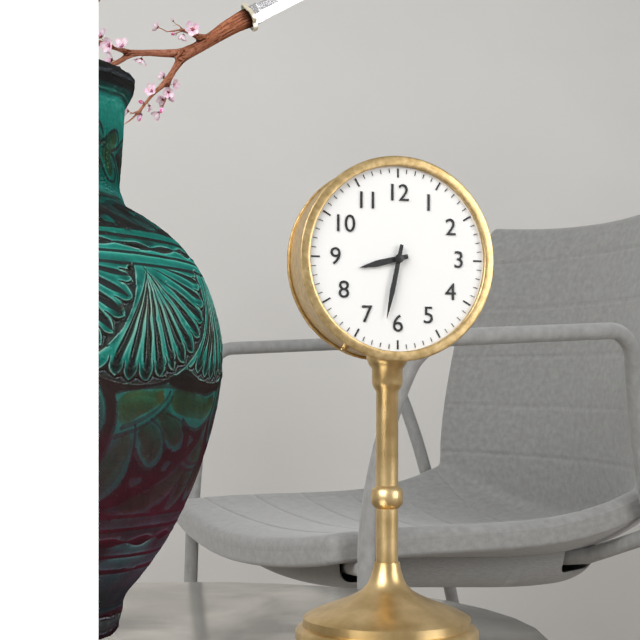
8,32
